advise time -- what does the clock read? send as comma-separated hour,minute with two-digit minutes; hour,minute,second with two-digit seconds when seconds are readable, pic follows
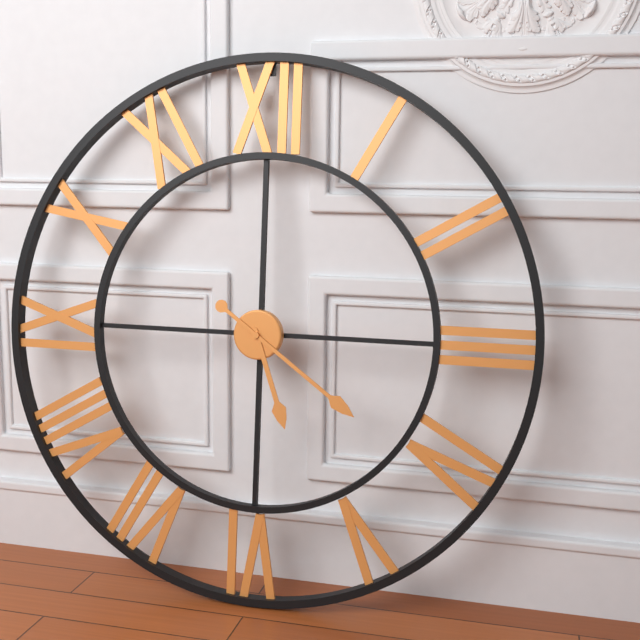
5,21
